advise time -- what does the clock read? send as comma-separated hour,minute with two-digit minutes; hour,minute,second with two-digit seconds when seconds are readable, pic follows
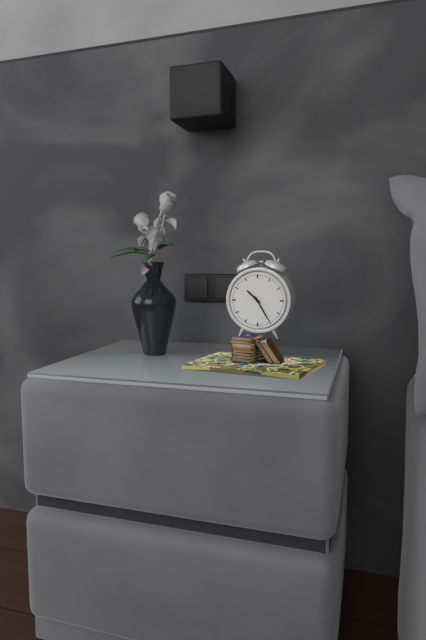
10,25
